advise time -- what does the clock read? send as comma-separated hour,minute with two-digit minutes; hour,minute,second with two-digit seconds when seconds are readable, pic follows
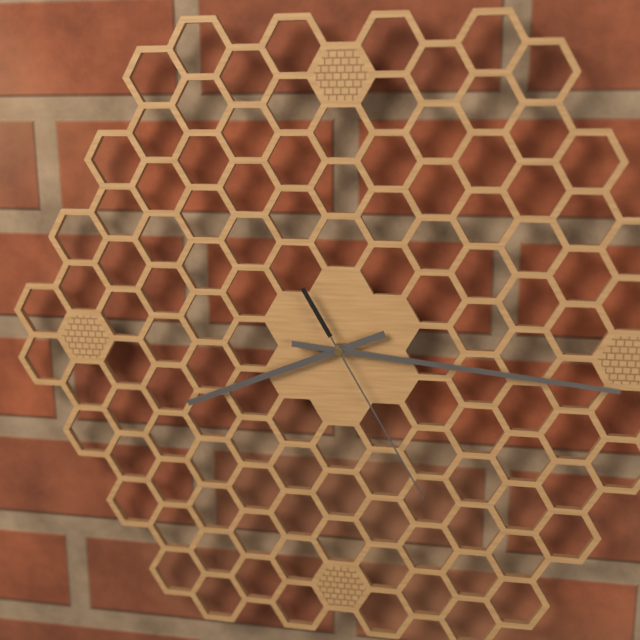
8,16,25
